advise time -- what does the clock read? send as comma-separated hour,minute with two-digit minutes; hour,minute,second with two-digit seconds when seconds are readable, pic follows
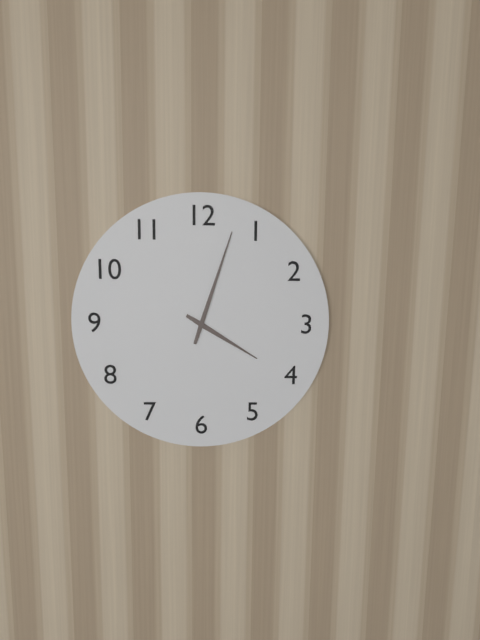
4,03
